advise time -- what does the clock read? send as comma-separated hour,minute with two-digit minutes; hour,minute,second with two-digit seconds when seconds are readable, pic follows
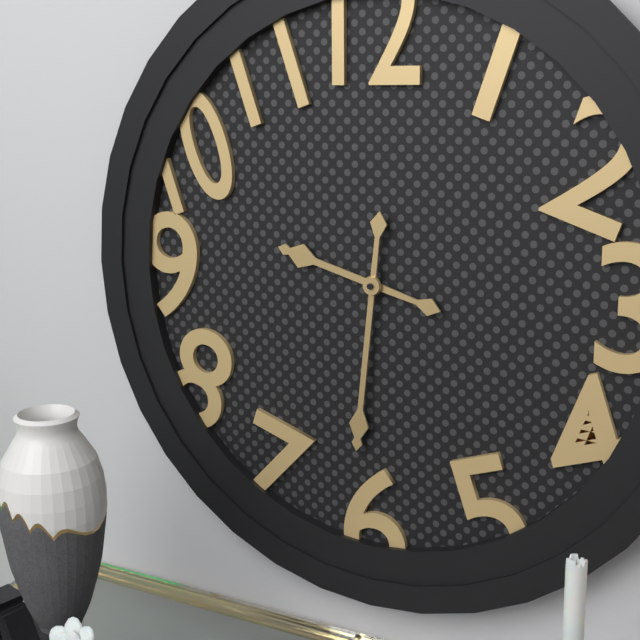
9,31
